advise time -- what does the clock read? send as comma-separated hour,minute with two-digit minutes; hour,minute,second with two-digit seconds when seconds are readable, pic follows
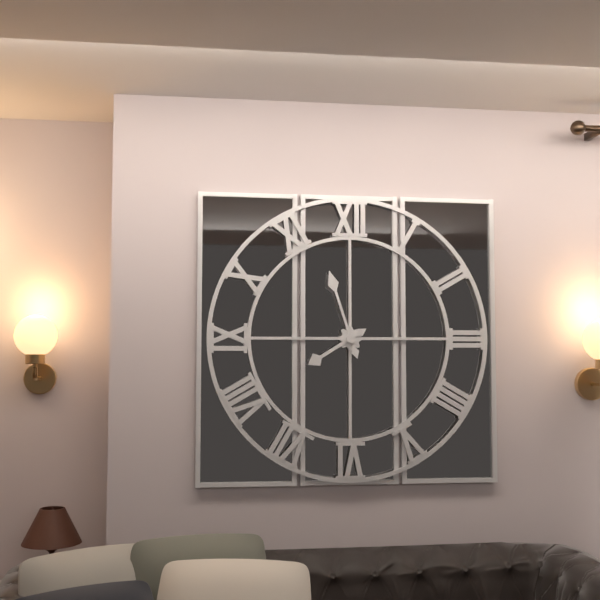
7,57
